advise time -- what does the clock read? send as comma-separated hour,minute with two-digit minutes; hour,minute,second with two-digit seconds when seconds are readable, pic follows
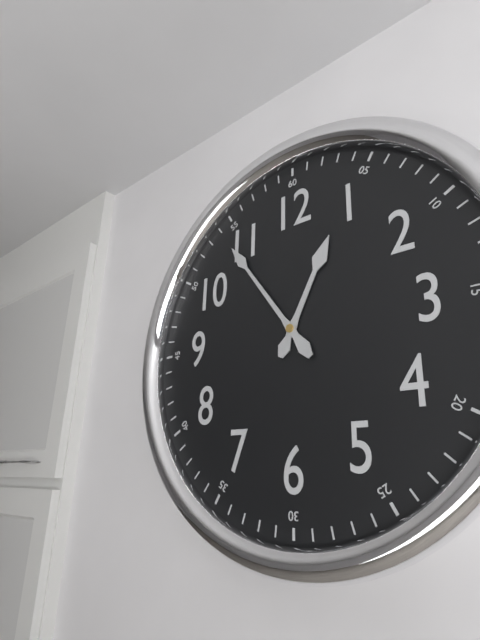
12,54
